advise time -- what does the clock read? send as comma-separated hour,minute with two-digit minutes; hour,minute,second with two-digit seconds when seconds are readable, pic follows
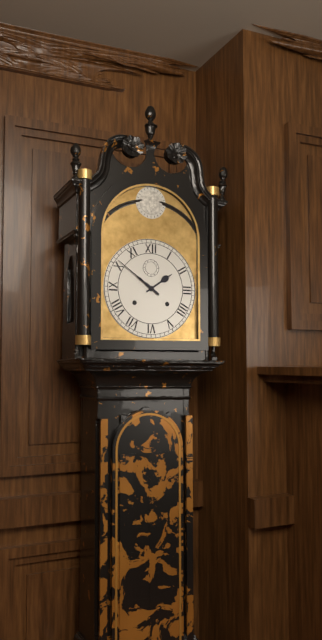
1,51
